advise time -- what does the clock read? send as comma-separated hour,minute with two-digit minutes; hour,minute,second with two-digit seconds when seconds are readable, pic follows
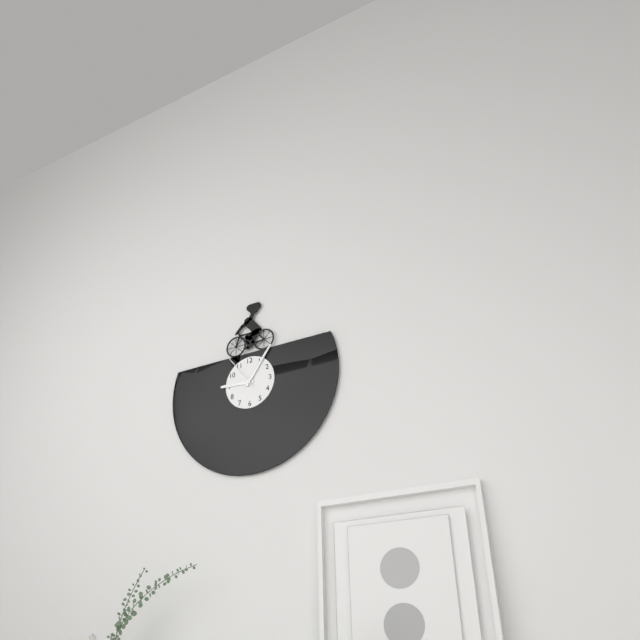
9,06
